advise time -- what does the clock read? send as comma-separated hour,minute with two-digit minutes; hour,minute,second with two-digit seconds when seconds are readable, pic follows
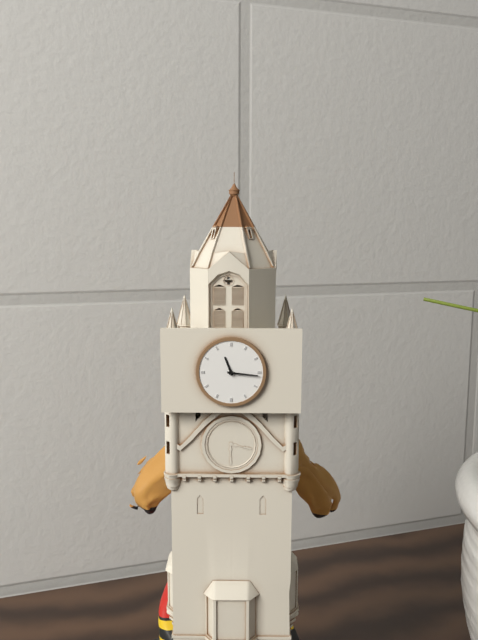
11,16
